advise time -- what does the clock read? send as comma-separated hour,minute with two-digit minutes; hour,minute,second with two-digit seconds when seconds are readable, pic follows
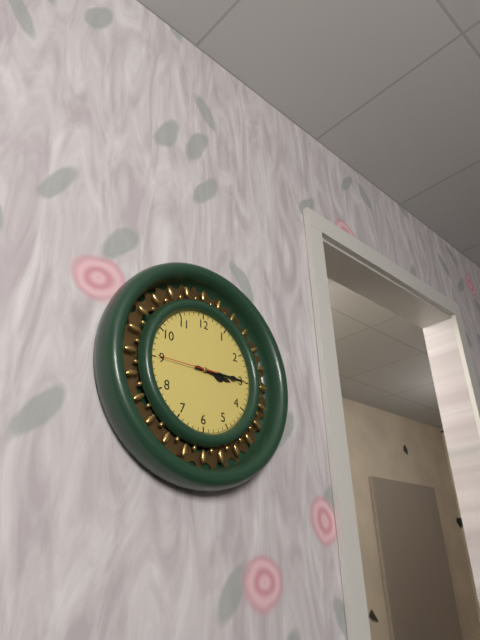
3,15,45
